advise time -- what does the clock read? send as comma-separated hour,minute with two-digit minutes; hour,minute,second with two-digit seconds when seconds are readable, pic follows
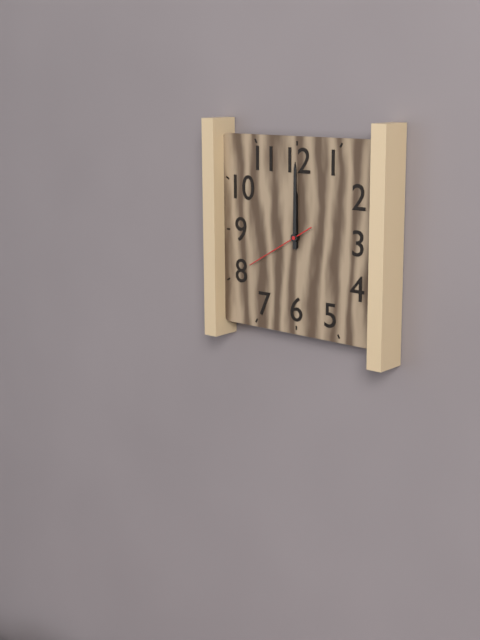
12,00,40
